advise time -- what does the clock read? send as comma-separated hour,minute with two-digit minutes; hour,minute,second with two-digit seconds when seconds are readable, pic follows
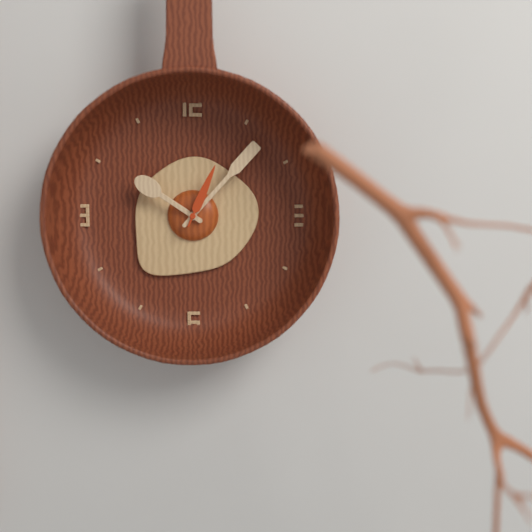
10,07,04
